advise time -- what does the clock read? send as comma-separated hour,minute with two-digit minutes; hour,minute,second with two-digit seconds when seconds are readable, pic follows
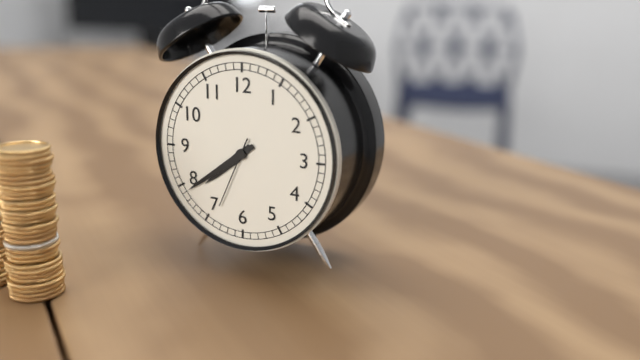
7,39,34
